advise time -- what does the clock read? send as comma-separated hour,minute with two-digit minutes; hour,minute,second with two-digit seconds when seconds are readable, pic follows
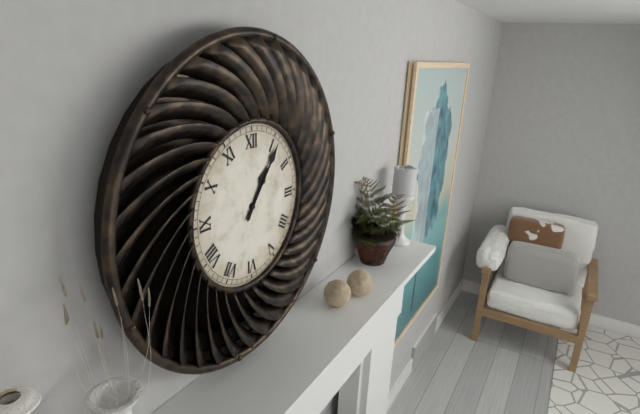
1,06
